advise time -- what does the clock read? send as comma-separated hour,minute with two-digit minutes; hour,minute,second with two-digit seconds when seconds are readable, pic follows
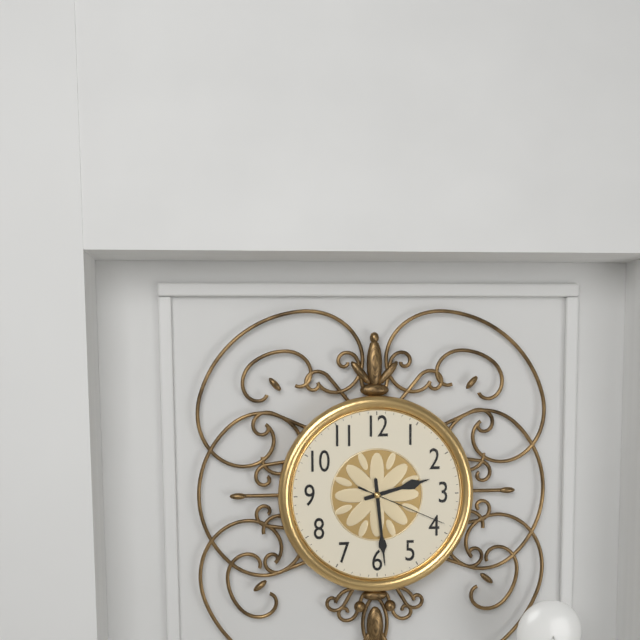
2,29,19
